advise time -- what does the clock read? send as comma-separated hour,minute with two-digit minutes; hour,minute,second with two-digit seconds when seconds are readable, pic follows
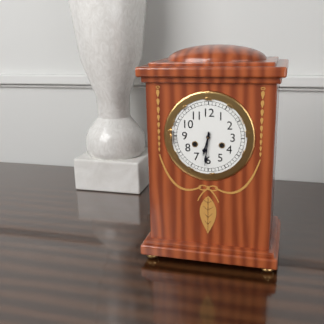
6,31
